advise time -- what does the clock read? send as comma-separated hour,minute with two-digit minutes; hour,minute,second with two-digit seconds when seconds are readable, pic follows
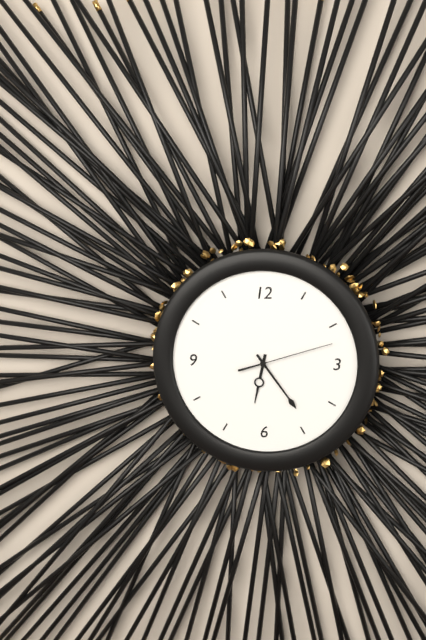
6,24,12
